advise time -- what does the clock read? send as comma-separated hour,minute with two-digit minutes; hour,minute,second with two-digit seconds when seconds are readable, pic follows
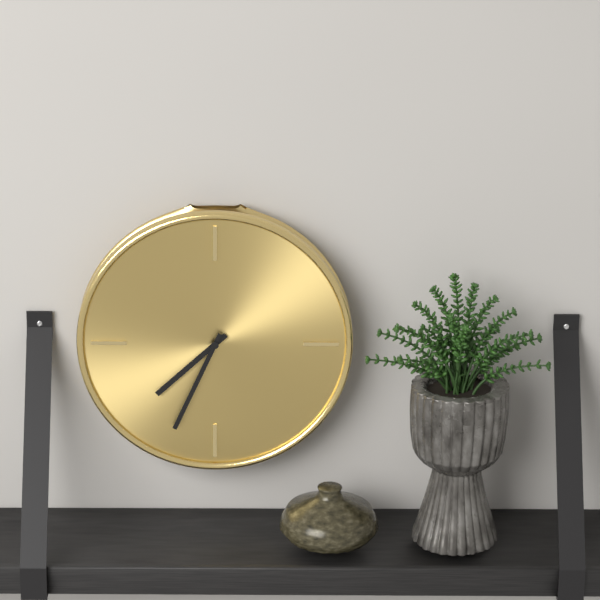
7,34
